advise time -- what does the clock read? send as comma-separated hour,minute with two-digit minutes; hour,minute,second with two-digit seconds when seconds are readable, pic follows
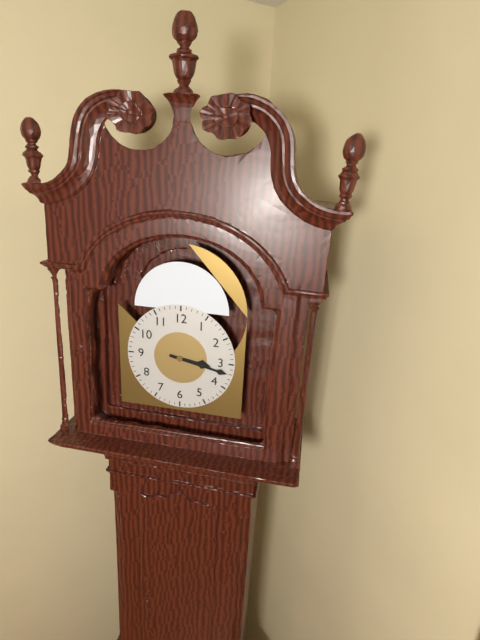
3,17
